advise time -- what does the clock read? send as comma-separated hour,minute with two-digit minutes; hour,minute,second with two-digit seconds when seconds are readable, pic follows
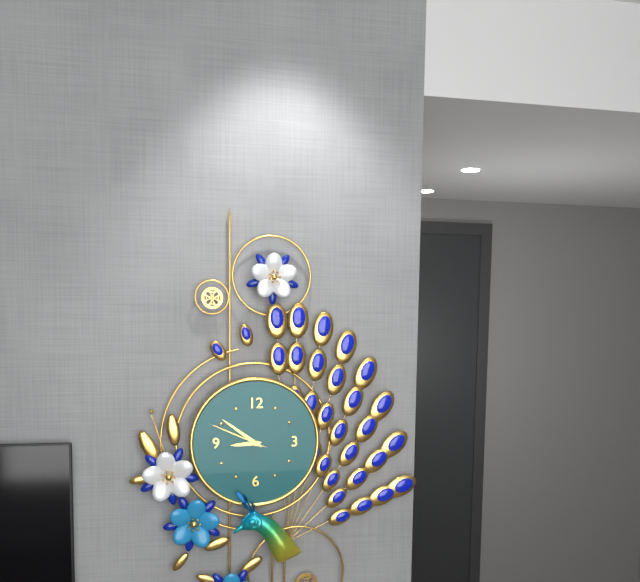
8,51,49
